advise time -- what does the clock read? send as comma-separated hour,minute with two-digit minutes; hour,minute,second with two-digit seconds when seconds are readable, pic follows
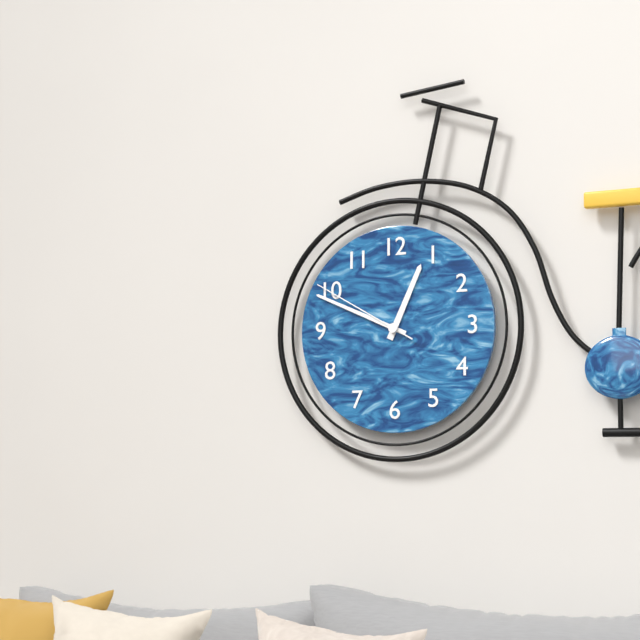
12,49,50
